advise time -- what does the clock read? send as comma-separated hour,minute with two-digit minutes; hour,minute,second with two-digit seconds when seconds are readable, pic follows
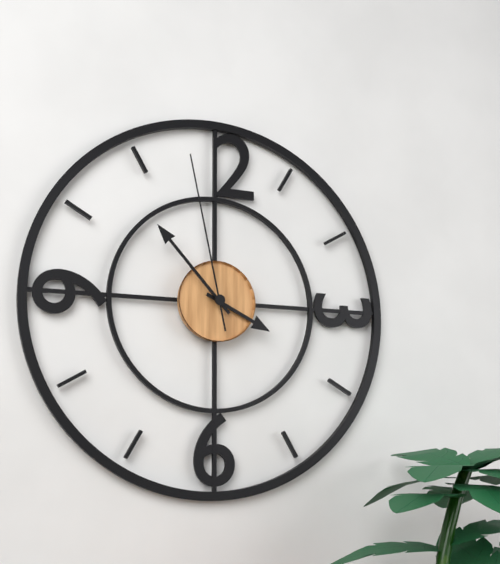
3,53,58
